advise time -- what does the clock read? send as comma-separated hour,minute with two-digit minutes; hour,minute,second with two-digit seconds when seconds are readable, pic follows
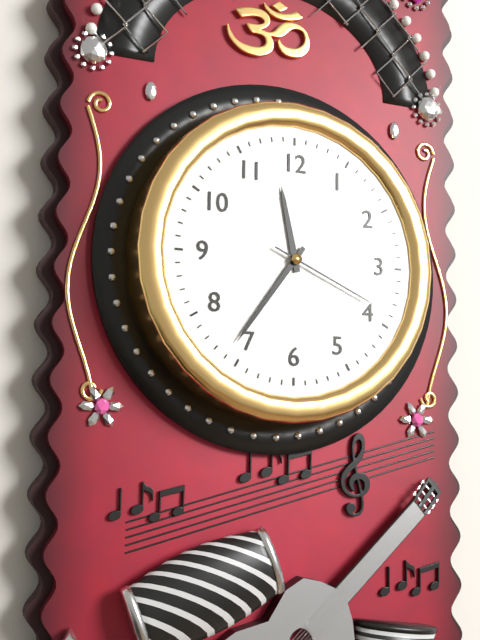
11,36,19
